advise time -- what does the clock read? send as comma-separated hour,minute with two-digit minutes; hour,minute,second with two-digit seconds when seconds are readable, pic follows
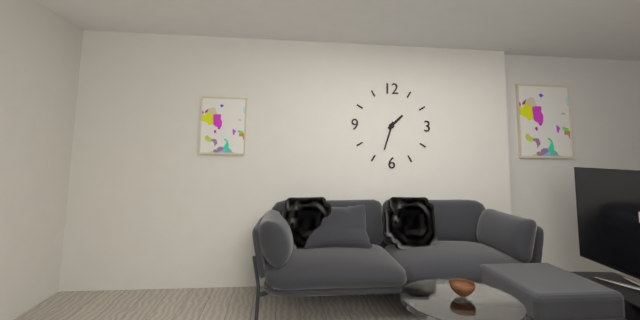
1,33
